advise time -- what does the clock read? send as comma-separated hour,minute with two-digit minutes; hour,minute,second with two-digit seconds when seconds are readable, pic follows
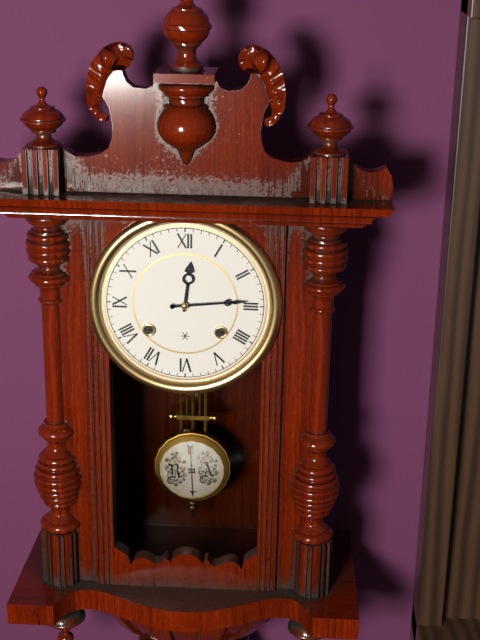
12,14
